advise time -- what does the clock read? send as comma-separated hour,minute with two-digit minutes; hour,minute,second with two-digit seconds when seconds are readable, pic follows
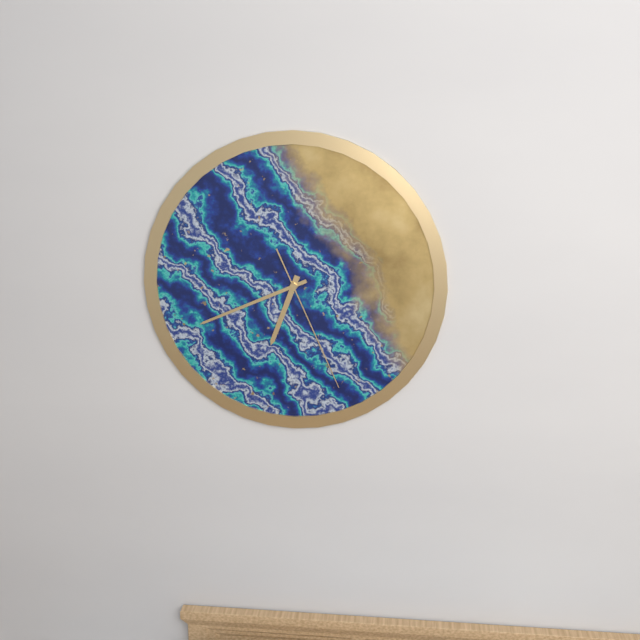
6,41,26
